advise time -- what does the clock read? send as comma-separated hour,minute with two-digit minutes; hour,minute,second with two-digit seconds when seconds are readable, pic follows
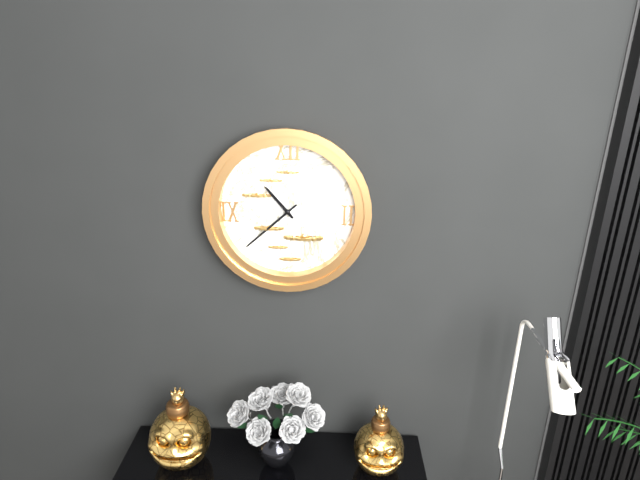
10,38
